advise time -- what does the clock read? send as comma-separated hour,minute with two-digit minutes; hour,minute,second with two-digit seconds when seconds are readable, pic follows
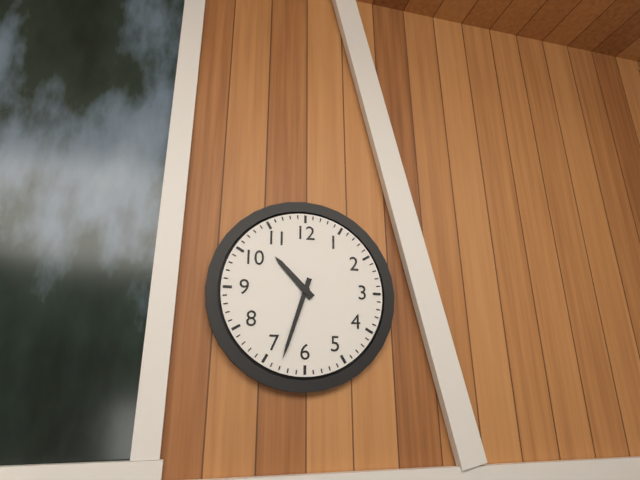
10,33
